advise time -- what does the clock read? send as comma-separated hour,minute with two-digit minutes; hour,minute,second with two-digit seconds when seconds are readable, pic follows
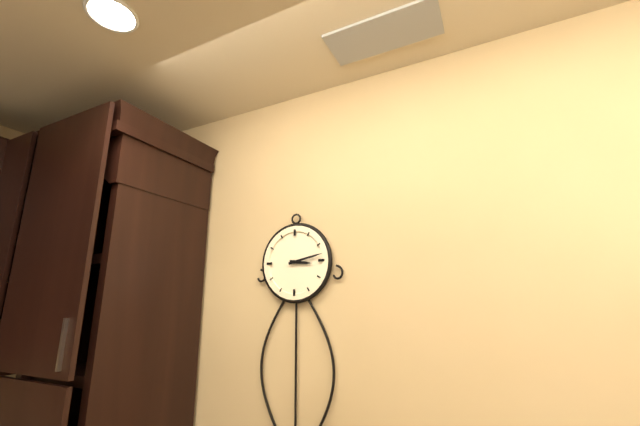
3,13
